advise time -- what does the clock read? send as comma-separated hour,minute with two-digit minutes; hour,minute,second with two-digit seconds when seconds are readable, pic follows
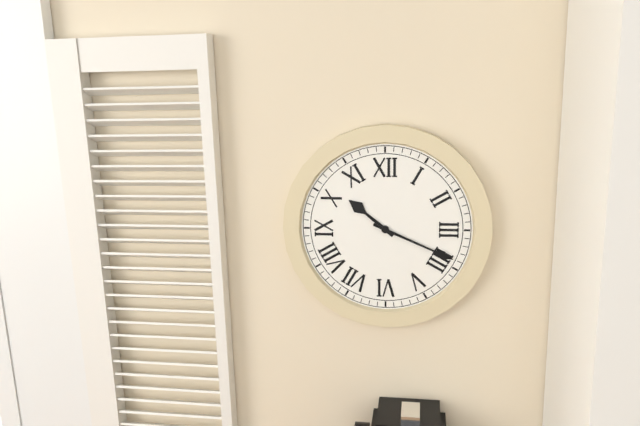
10,19
